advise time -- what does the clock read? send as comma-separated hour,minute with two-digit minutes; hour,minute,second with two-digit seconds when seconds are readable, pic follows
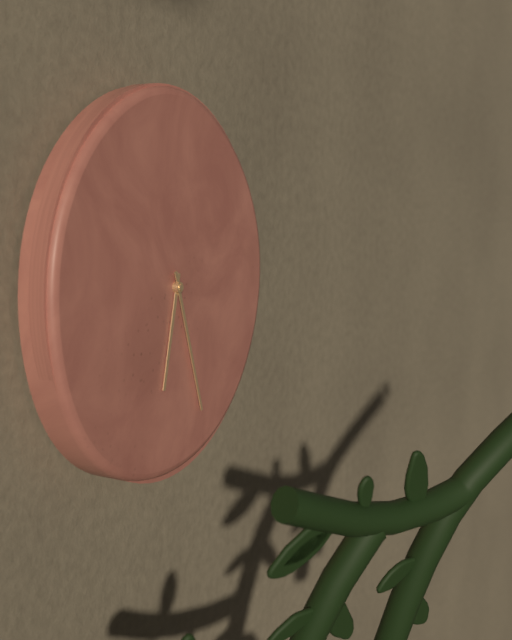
6,27
